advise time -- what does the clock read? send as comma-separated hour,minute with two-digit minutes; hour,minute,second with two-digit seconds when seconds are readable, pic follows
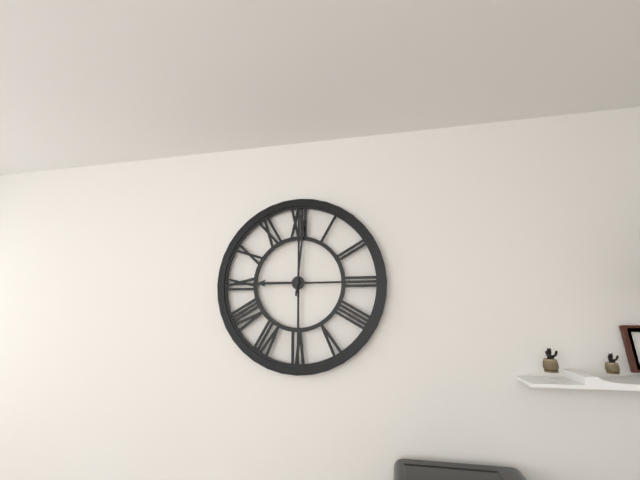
9,01
